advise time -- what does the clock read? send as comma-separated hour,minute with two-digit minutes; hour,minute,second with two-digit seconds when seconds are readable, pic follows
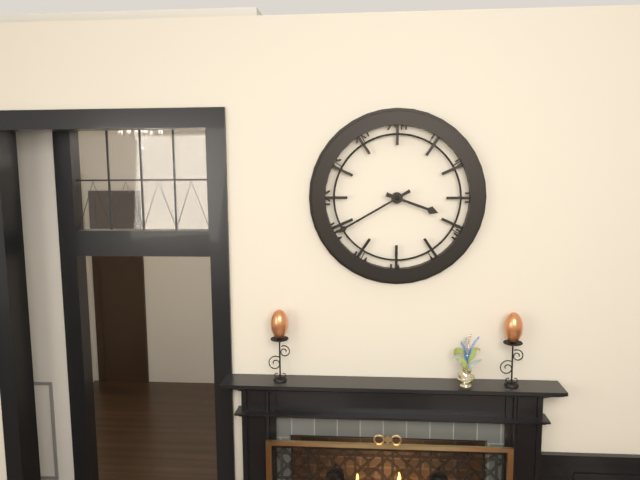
3,40
